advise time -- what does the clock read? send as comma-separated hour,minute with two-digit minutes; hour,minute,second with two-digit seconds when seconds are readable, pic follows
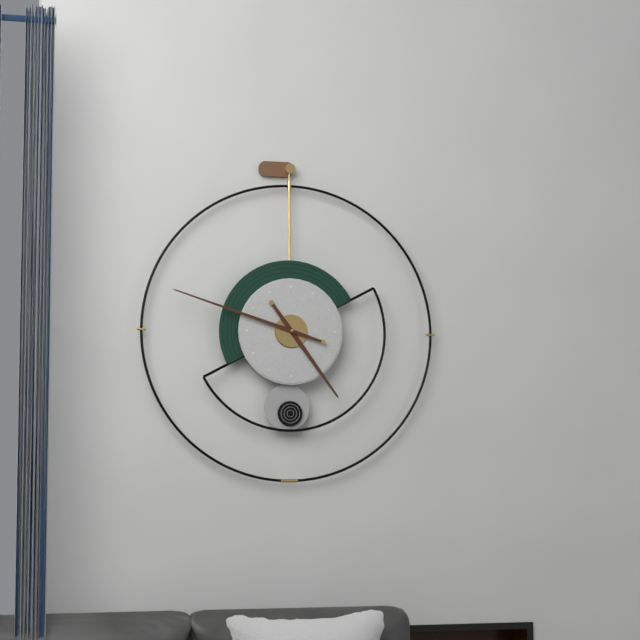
4,48
